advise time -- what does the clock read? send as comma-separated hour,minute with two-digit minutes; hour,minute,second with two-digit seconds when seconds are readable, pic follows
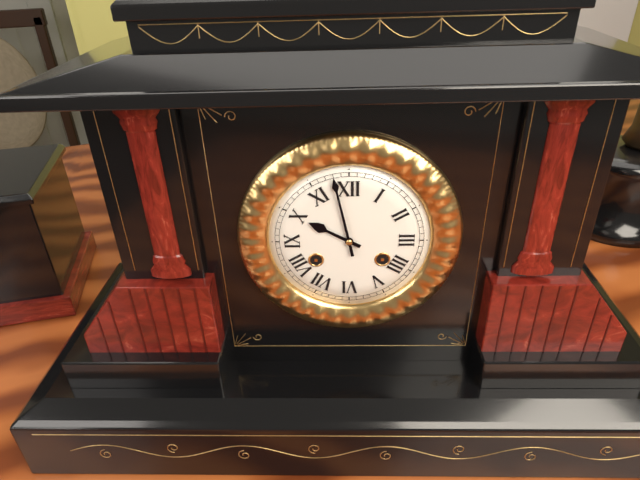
9,58
